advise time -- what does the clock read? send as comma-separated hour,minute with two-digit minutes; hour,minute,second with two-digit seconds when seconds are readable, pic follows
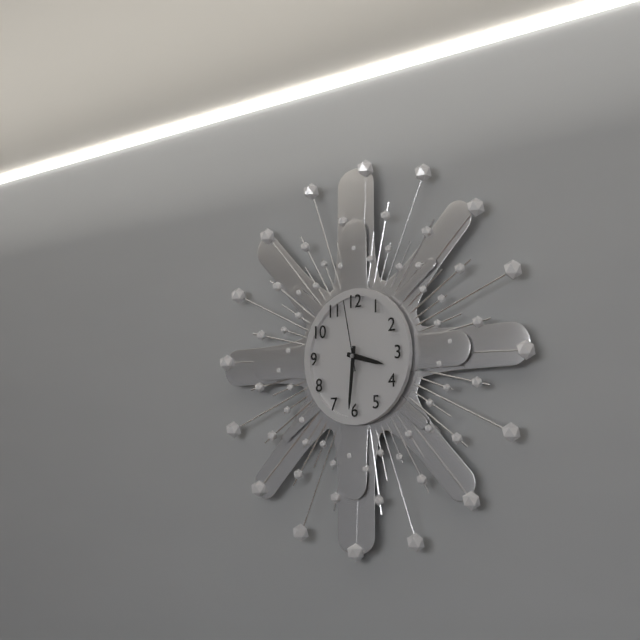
3,31,58
